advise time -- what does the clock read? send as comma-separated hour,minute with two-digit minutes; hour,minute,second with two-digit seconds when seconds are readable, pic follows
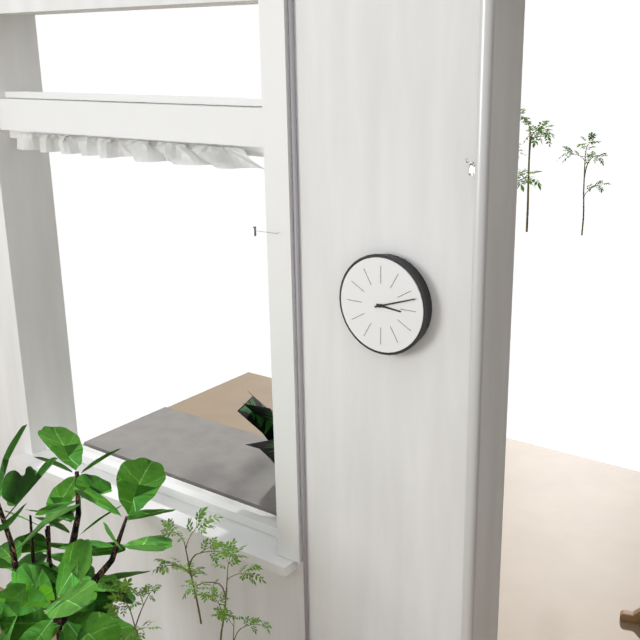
3,12
